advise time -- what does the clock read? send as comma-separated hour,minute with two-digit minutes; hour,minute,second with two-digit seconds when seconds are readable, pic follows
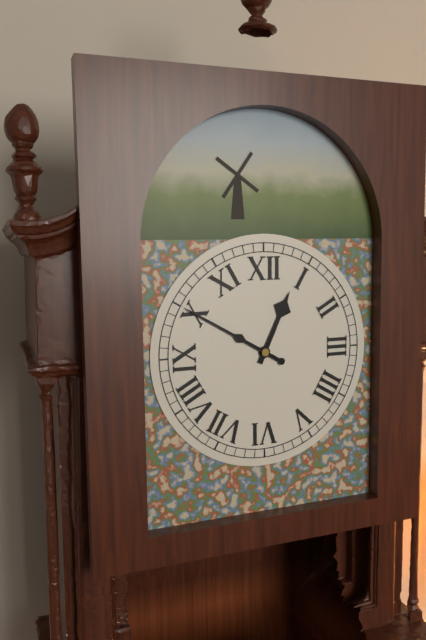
12,50
